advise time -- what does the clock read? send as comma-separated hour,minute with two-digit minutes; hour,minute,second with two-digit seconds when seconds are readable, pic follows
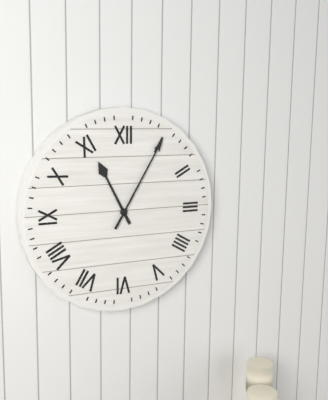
11,05
